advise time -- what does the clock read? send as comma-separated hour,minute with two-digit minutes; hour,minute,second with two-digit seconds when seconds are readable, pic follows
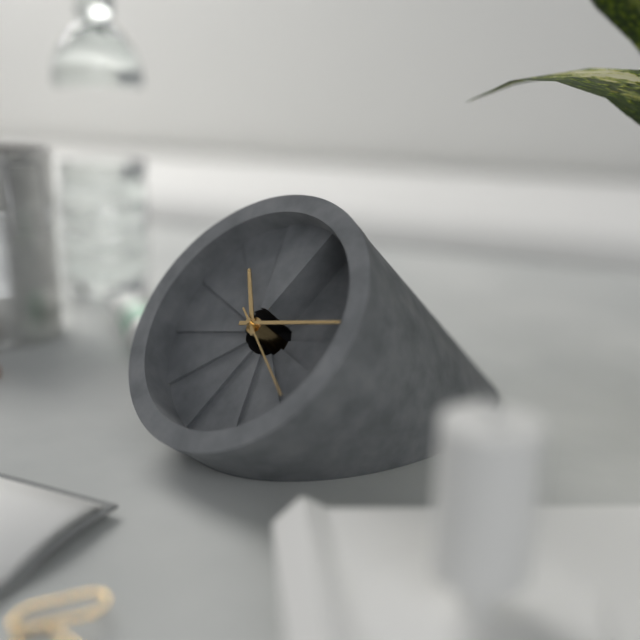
10,10,18
